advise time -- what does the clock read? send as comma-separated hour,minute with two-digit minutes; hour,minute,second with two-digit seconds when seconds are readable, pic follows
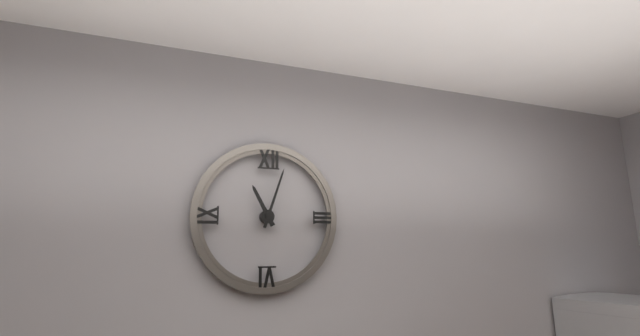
11,03
